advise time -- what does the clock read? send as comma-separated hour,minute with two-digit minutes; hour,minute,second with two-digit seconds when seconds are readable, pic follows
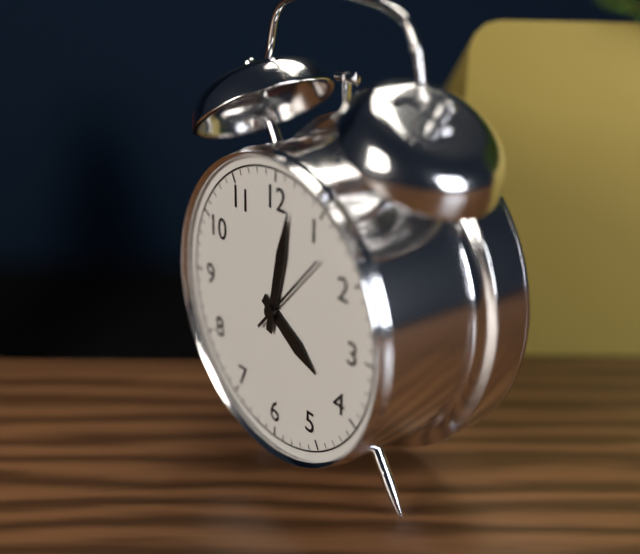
4,02,07
